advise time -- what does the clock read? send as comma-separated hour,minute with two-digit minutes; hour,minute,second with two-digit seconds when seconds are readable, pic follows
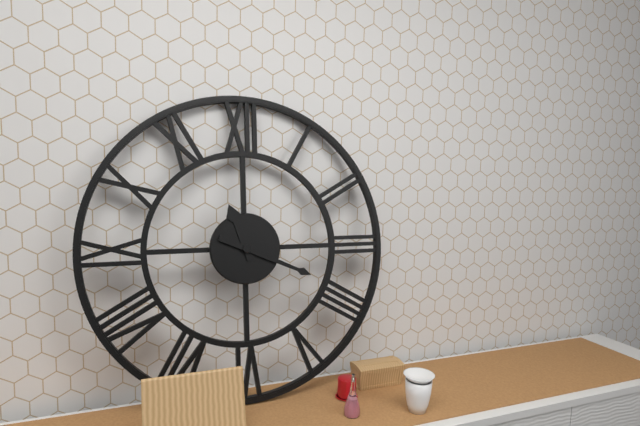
11,19
